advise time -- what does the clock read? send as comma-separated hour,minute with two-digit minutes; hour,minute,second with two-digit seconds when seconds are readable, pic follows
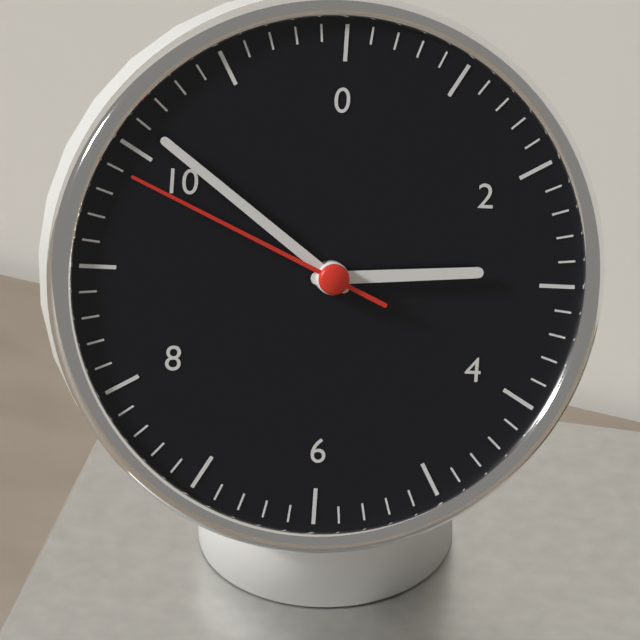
2,51,49
